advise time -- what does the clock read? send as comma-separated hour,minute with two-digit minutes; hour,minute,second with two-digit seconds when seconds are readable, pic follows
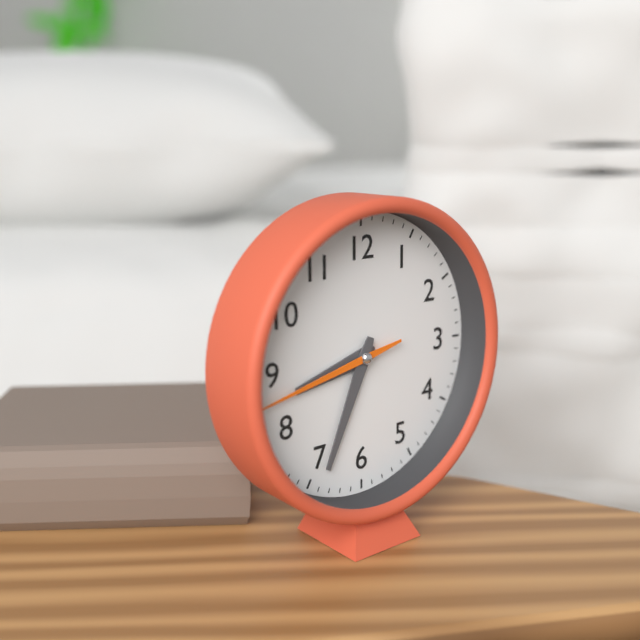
8,34,43
